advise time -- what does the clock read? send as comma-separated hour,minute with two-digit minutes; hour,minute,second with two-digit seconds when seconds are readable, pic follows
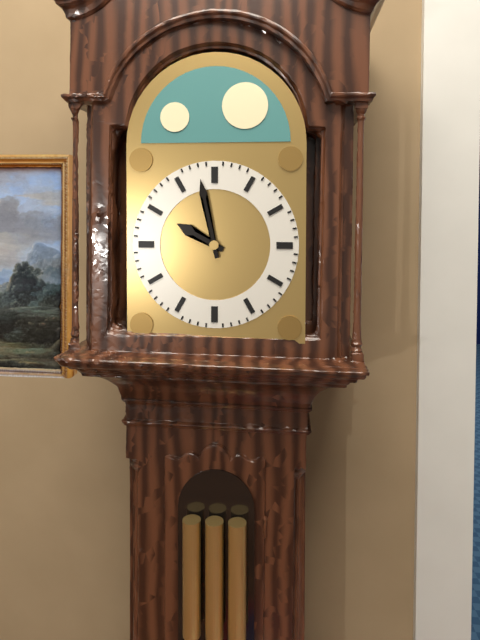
9,58
